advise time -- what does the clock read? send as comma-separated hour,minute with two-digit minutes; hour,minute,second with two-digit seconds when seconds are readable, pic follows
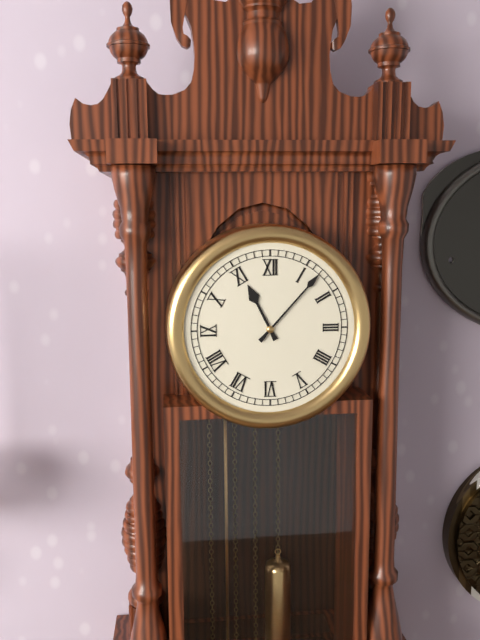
11,07
